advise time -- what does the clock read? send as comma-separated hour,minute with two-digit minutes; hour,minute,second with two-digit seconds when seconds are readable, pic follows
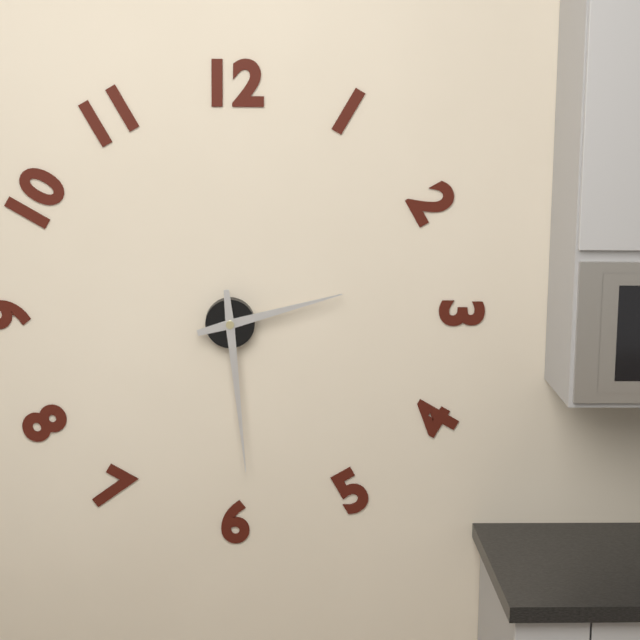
2,29
